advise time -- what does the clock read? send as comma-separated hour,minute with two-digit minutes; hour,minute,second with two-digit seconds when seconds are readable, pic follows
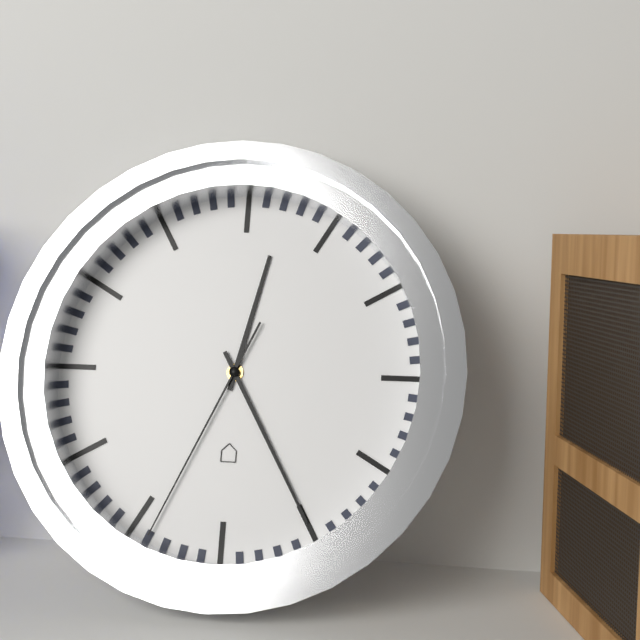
12,25,34
